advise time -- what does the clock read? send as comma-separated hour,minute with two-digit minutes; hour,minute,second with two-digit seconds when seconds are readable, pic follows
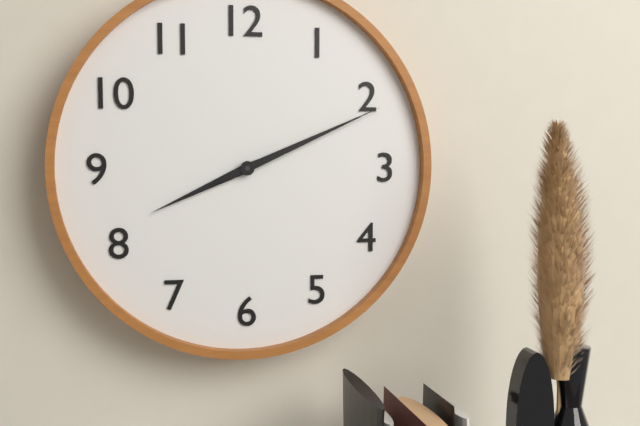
8,11
